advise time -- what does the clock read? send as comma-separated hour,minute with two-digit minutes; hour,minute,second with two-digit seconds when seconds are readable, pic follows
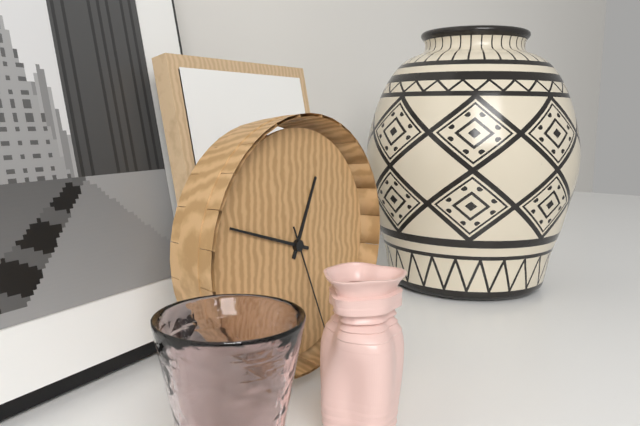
12,48,26
